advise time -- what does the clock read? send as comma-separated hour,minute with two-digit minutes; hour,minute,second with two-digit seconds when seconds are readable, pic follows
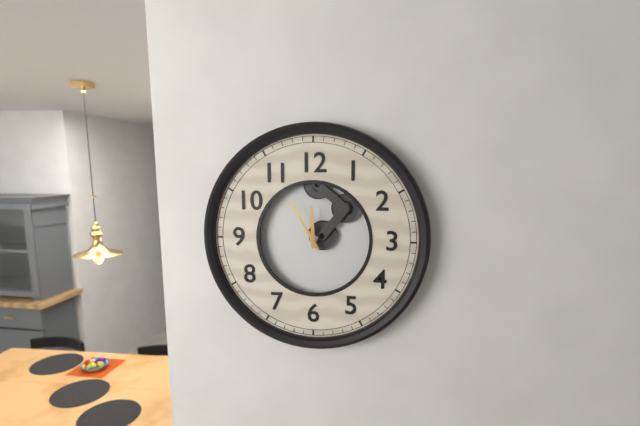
11,55
